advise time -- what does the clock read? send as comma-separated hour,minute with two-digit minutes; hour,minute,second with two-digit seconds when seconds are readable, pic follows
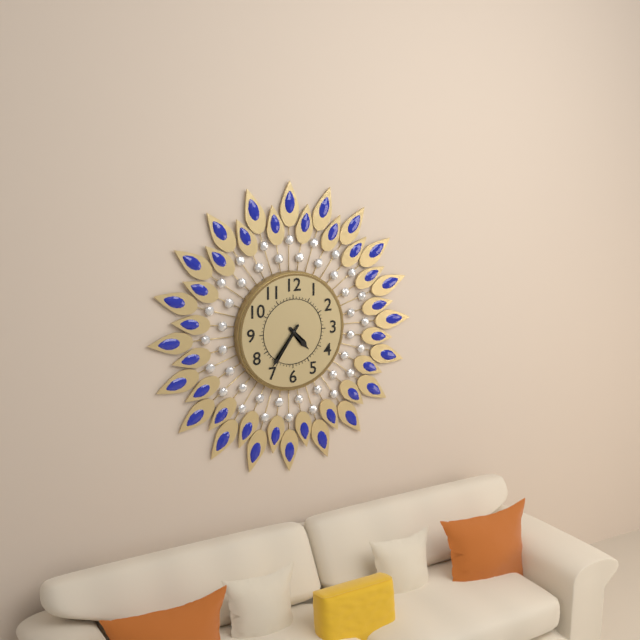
4,36
